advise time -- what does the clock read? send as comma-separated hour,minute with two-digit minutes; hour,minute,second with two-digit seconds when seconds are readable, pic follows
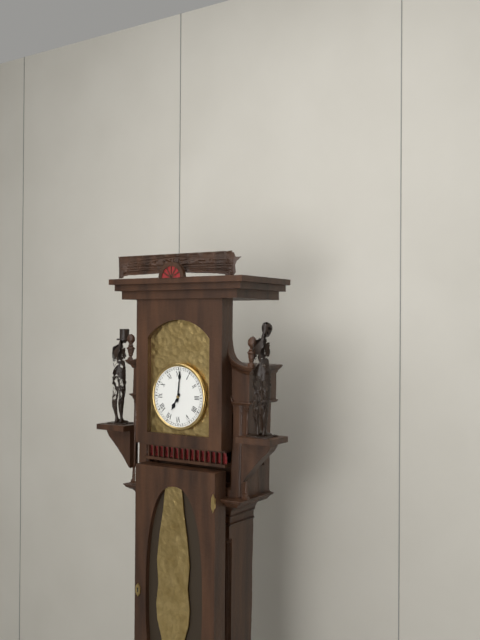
7,01
